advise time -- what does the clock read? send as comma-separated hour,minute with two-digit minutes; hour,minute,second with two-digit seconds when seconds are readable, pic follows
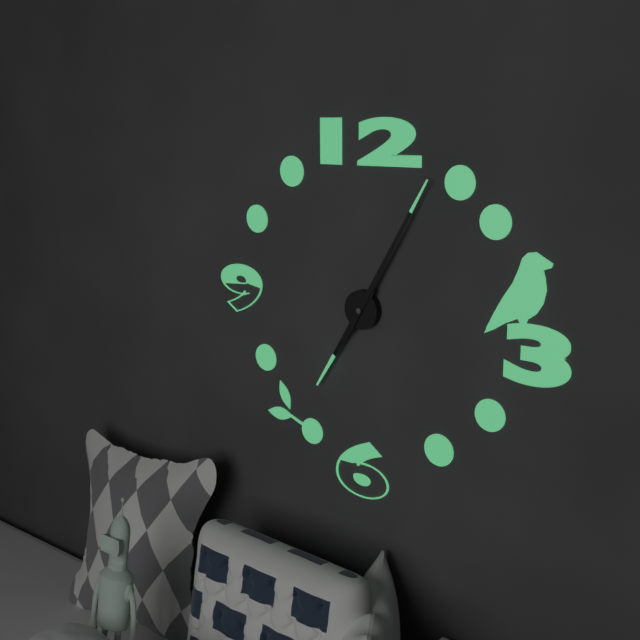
7,05
